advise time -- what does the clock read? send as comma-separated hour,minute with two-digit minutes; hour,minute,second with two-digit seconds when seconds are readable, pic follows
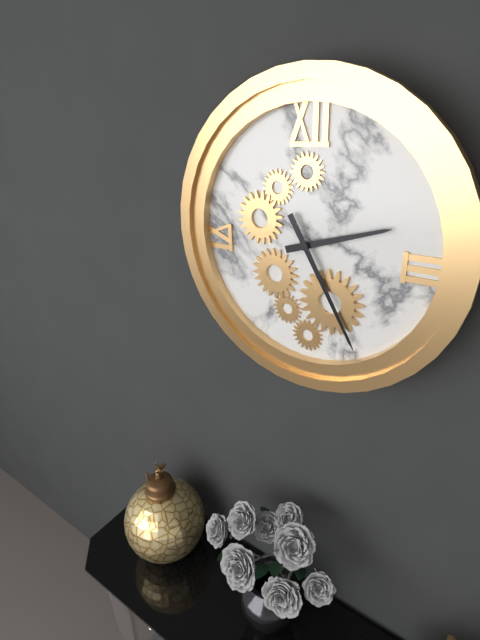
2,25
